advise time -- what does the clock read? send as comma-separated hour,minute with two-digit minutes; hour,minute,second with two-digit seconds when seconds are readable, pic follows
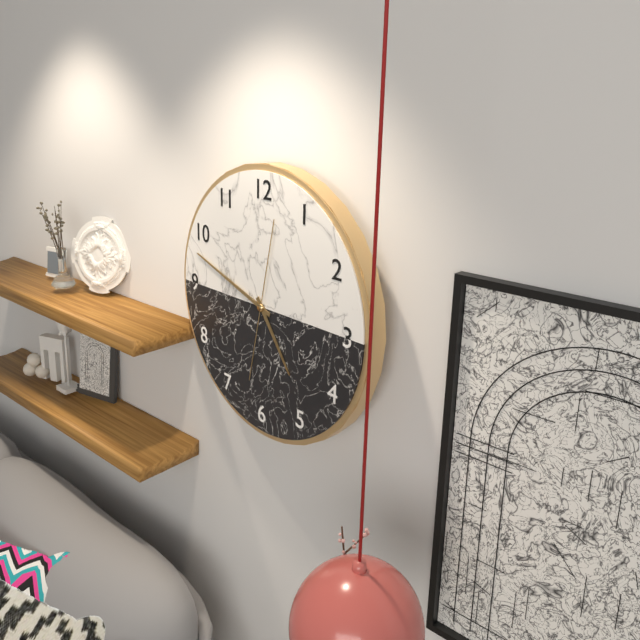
4,48,02
